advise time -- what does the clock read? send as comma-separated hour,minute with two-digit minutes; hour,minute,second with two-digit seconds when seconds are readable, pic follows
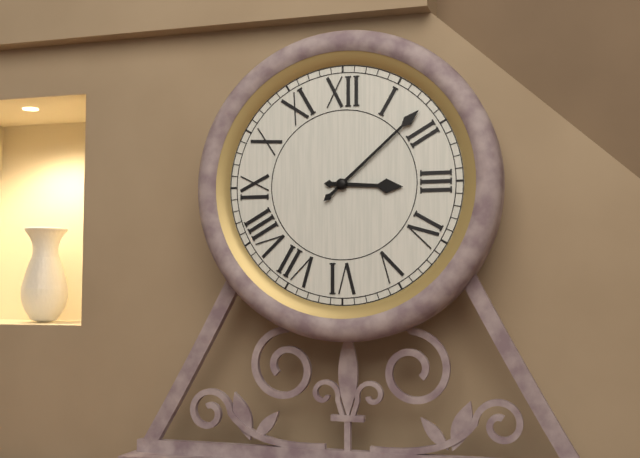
3,08
